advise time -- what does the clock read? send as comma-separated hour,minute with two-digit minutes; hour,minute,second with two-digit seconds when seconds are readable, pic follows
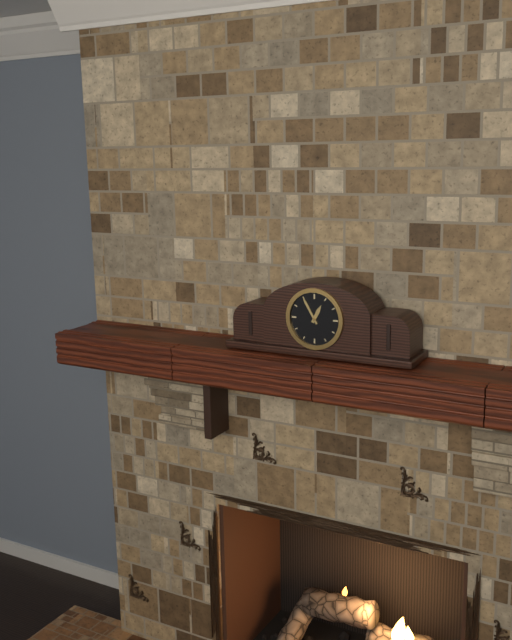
12,55
